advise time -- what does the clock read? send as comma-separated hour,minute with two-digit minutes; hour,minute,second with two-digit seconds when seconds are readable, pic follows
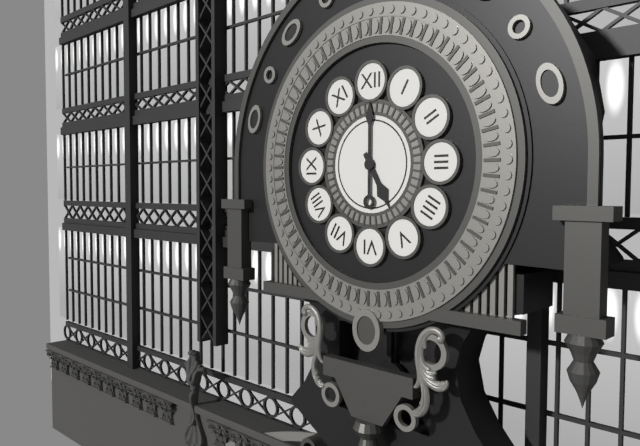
5,00
